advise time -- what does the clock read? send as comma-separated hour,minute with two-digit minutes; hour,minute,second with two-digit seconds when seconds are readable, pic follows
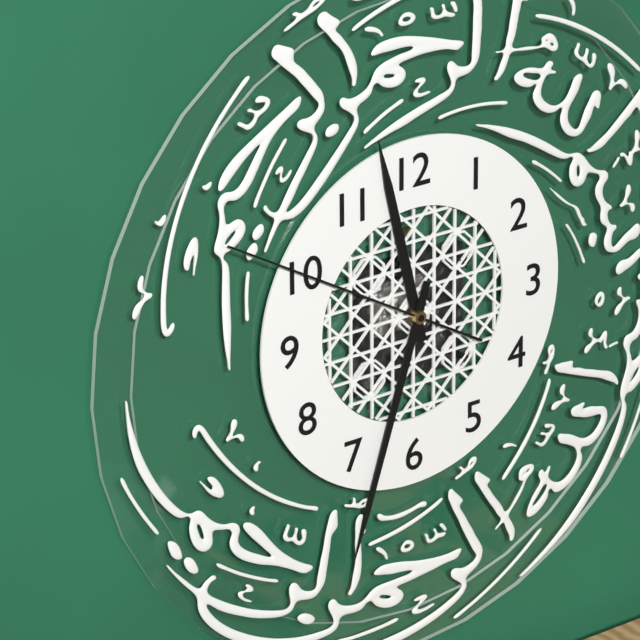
11,33,50
